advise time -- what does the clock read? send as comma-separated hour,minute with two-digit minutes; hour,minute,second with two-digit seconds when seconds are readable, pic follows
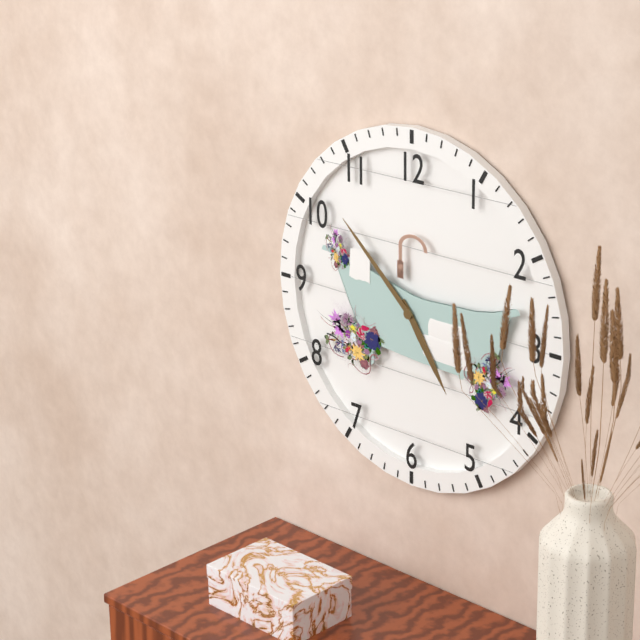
4,52
